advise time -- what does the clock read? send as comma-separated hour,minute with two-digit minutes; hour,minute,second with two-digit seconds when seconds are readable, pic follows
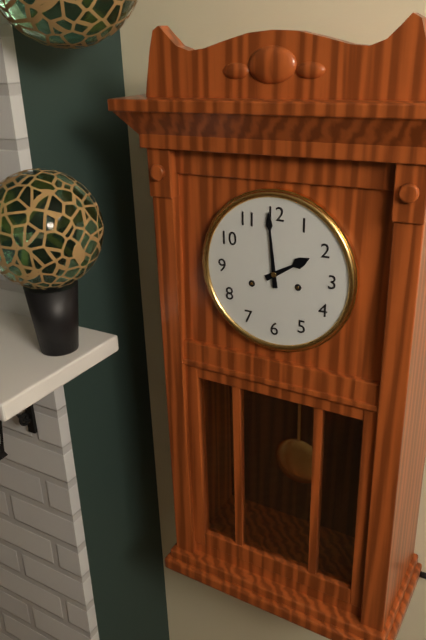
1,59
